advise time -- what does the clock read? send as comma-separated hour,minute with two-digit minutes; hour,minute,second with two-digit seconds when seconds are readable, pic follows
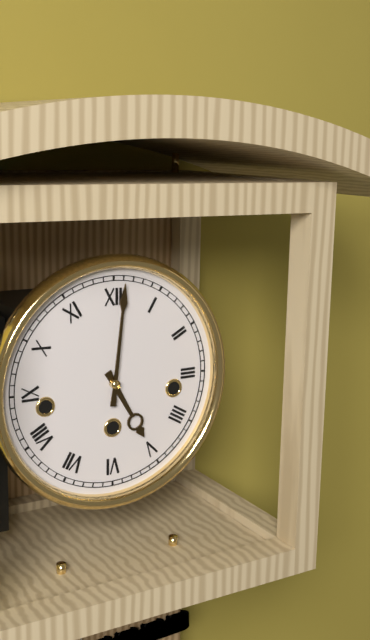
5,01
